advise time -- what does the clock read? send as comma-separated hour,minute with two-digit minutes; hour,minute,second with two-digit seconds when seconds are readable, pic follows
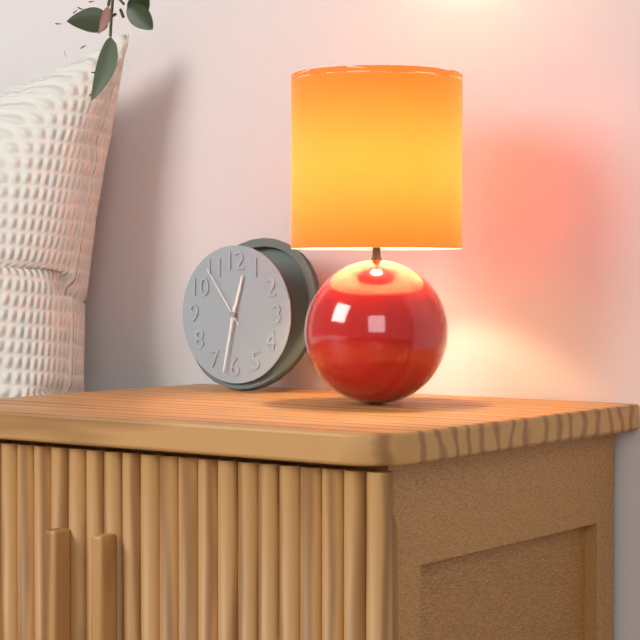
12,32,54
